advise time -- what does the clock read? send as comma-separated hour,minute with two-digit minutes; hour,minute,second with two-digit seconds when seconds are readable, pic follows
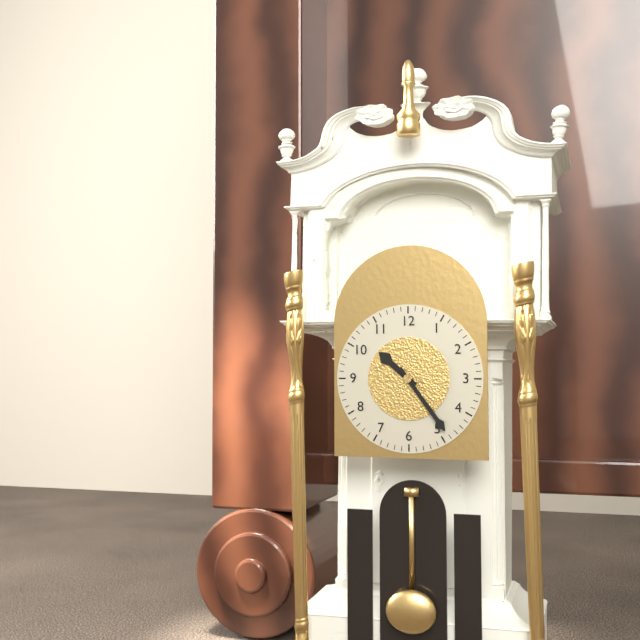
10,24
